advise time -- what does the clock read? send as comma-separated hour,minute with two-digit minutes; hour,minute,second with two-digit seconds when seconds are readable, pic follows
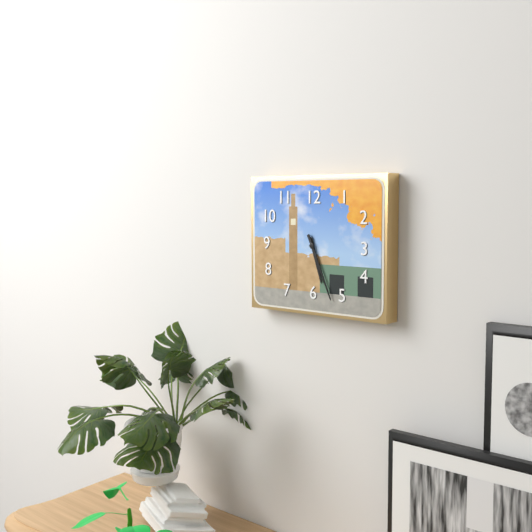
5,26
